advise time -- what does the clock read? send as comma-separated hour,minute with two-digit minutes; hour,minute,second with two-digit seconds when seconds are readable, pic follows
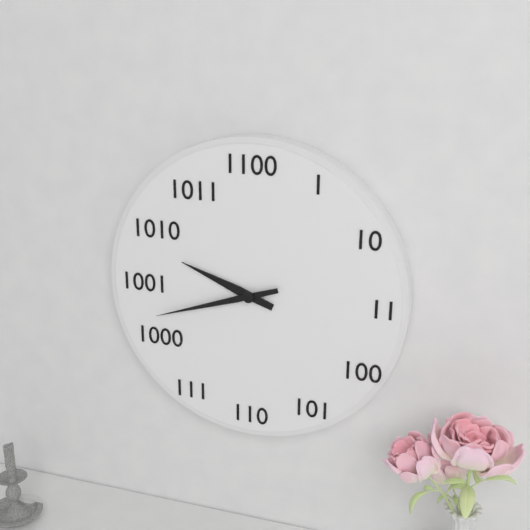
9,42
